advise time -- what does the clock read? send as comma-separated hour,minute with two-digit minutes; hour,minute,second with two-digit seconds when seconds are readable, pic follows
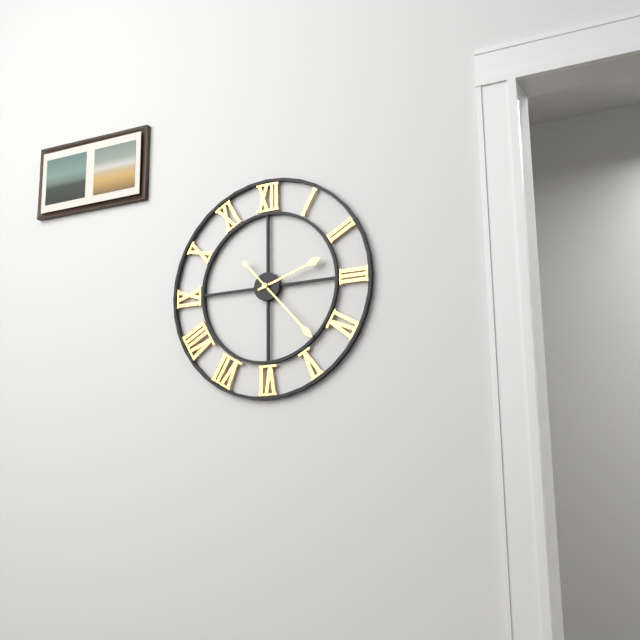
2,23
